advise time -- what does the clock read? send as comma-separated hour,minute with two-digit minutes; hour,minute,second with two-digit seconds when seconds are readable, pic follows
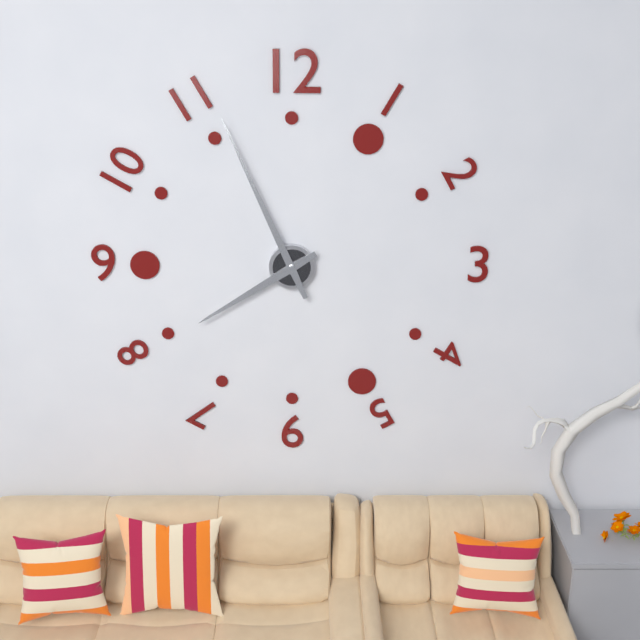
7,56
